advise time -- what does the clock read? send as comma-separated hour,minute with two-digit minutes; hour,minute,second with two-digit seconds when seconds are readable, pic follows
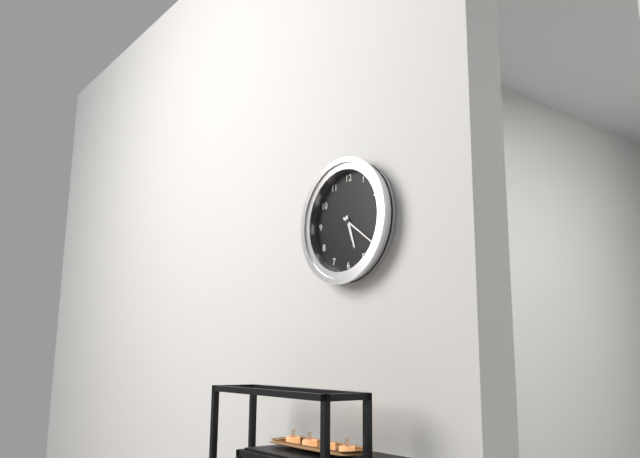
5,21
